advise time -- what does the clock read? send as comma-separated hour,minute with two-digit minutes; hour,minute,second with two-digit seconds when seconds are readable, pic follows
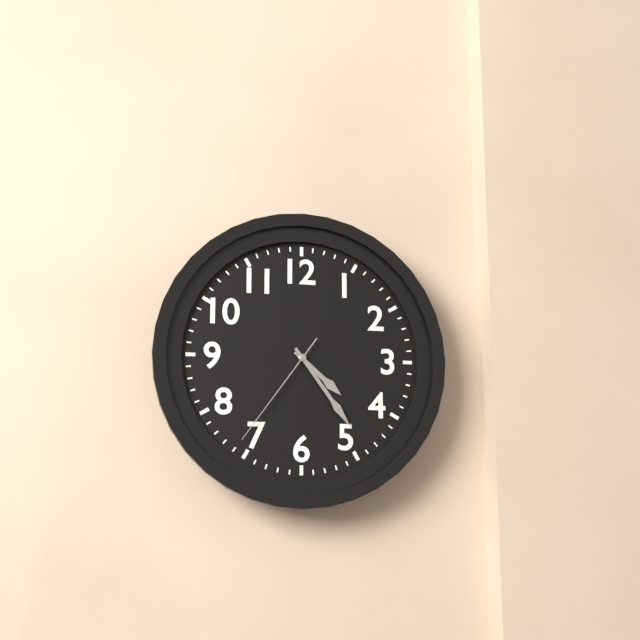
4,24,36
